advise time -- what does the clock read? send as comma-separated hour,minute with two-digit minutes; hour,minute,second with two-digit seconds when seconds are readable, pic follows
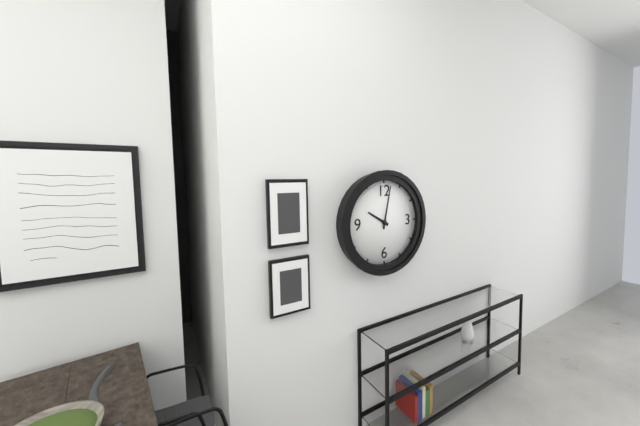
10,02
